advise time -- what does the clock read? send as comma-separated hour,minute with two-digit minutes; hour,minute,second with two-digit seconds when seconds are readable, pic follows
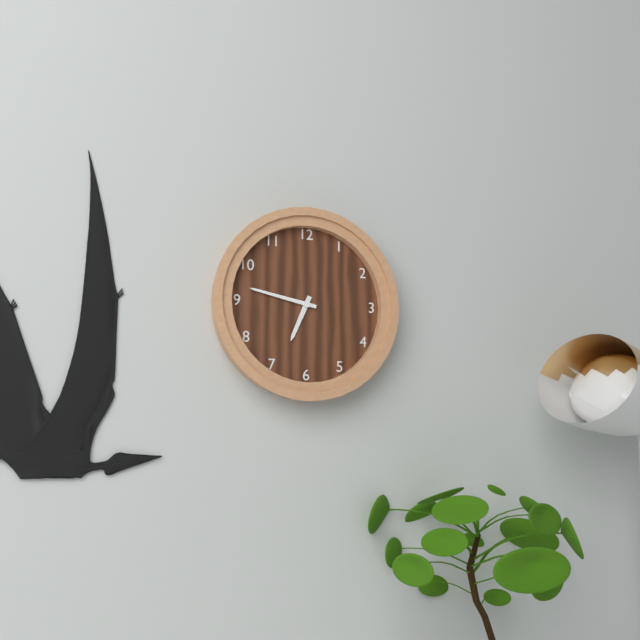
6,47
